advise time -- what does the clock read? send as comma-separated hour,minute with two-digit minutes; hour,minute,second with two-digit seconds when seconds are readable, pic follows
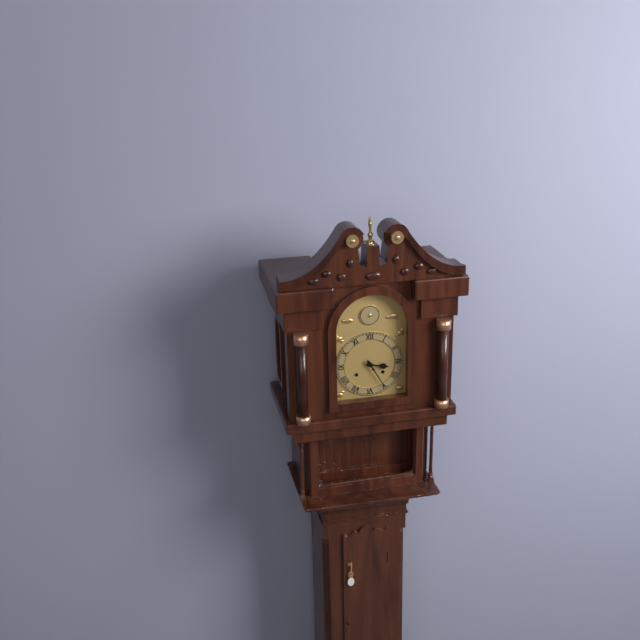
3,25
